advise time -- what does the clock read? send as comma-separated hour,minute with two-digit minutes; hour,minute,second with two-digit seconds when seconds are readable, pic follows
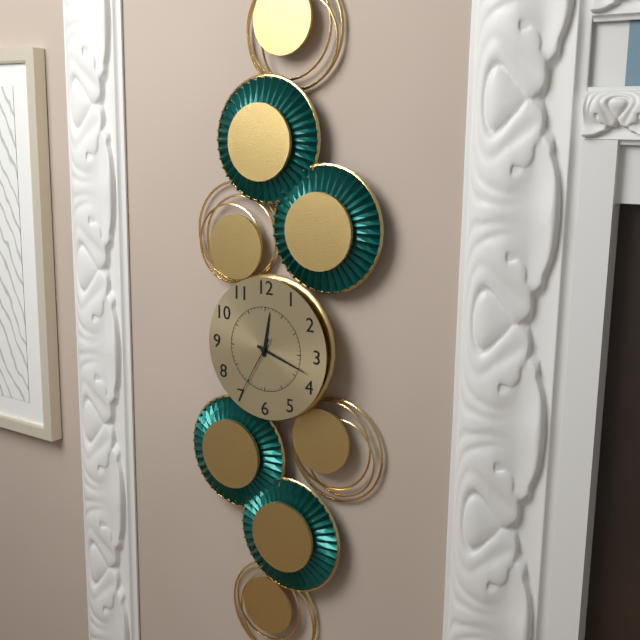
12,18,35
